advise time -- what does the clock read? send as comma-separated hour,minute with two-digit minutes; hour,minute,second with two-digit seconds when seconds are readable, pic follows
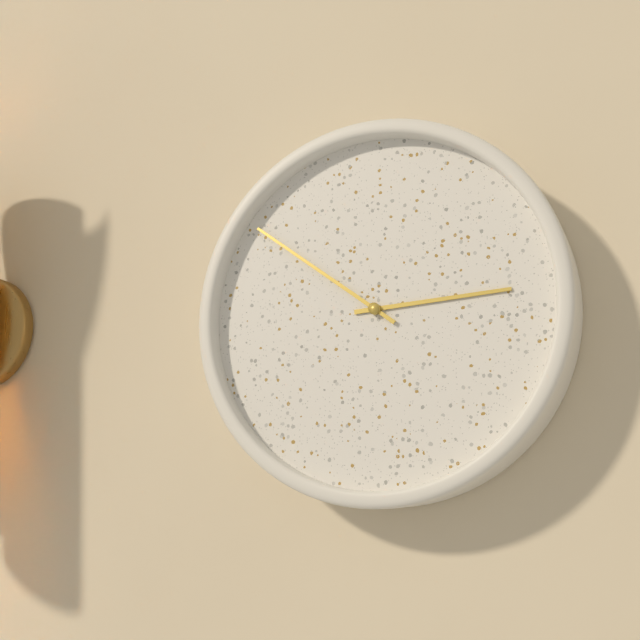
2,51
